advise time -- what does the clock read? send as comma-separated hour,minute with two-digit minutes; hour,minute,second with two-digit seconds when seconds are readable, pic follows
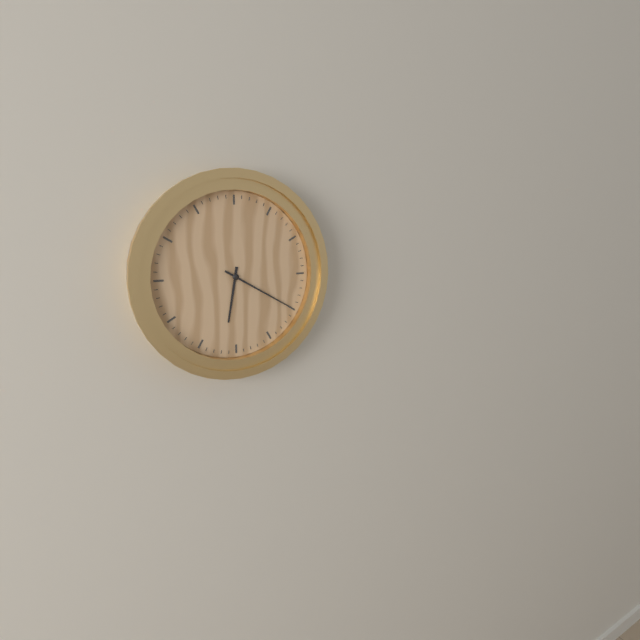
6,20
